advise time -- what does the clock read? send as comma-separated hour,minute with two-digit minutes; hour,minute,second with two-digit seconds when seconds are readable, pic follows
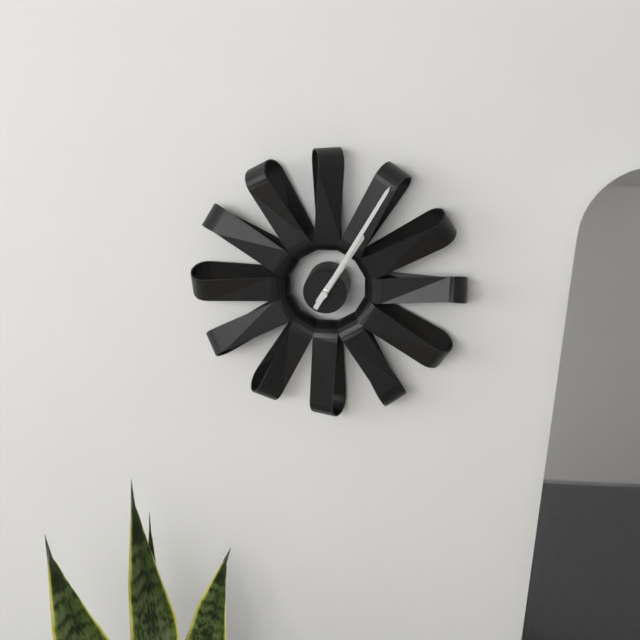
1,05
